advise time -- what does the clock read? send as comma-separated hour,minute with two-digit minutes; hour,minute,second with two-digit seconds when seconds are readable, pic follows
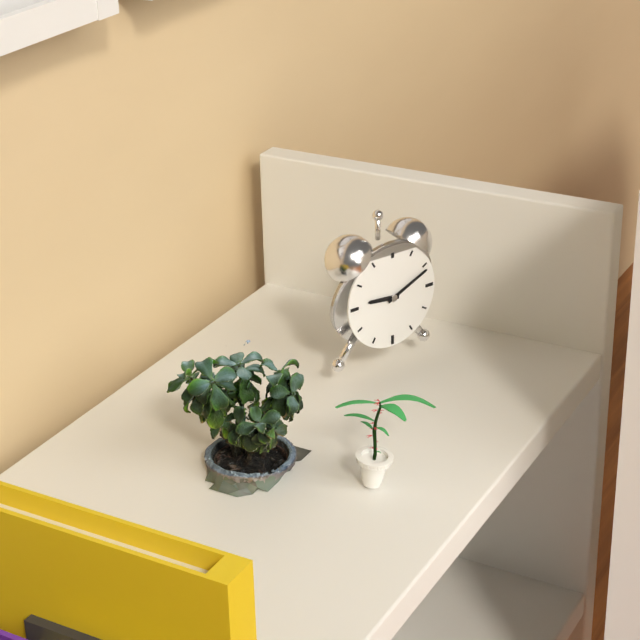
9,11
